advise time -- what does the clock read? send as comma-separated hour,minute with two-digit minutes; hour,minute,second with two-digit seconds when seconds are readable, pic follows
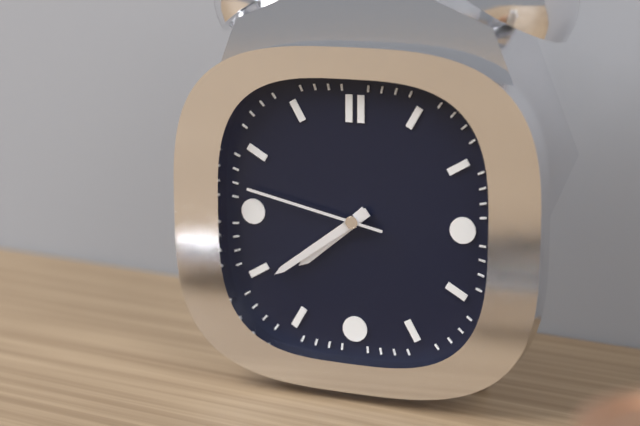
7,39,47
